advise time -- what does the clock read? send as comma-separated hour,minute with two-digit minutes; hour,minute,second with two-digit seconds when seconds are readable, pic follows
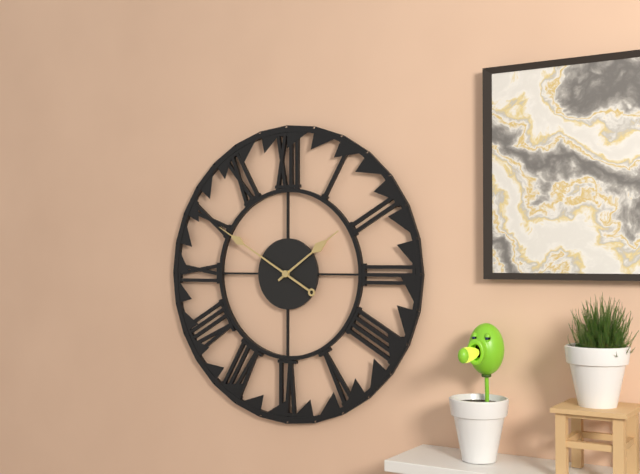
1,50
